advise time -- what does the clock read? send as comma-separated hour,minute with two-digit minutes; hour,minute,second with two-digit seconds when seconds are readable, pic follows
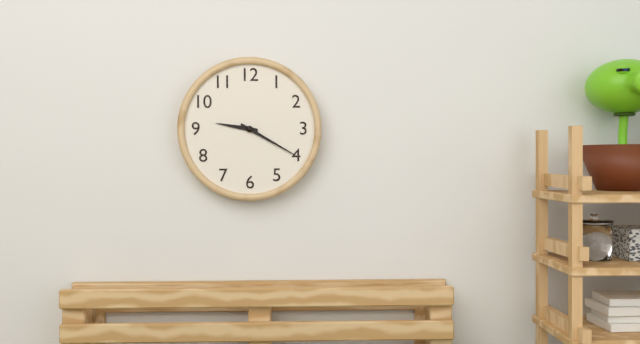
9,20
